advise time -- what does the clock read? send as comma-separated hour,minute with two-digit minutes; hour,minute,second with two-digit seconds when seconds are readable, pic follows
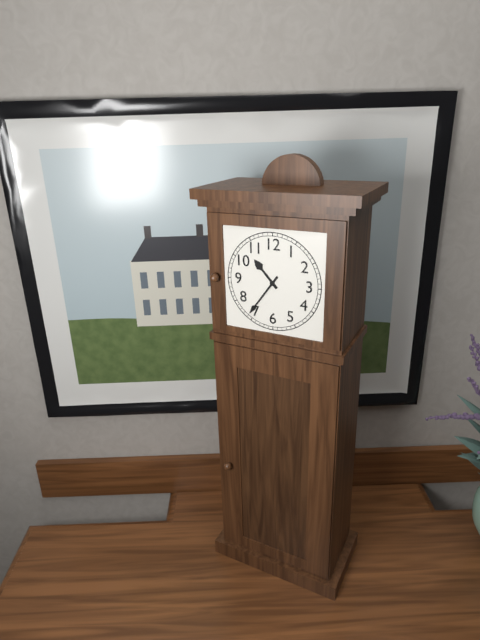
10,36
